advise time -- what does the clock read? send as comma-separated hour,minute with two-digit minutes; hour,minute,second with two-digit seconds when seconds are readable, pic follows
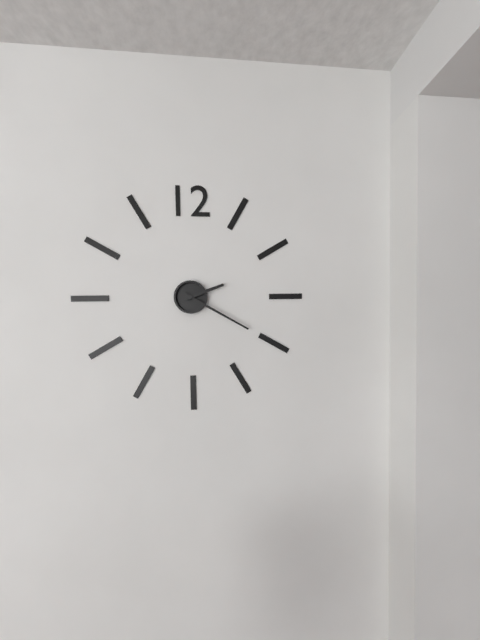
2,20
